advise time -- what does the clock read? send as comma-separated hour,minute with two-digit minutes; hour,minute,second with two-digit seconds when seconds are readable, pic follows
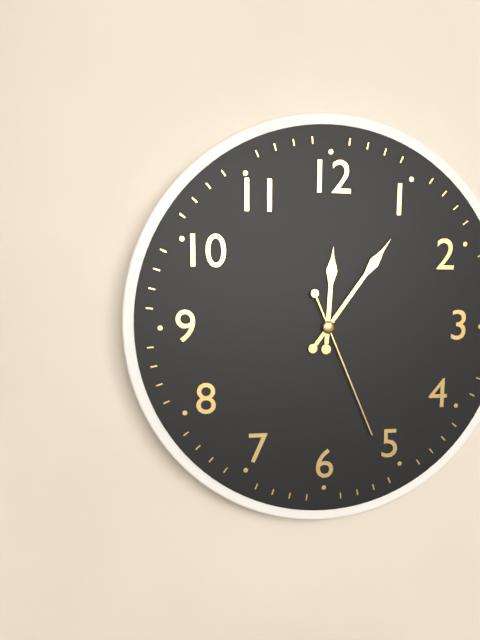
12,06,26
